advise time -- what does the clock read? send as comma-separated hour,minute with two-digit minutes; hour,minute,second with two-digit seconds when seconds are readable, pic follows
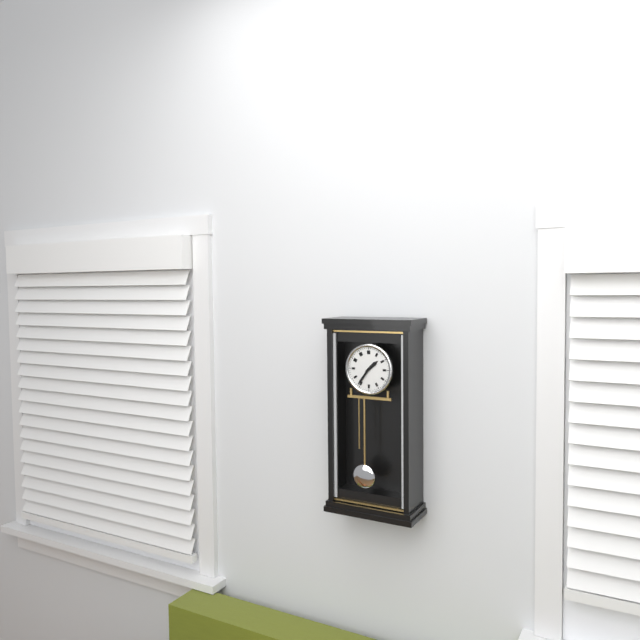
1,36
